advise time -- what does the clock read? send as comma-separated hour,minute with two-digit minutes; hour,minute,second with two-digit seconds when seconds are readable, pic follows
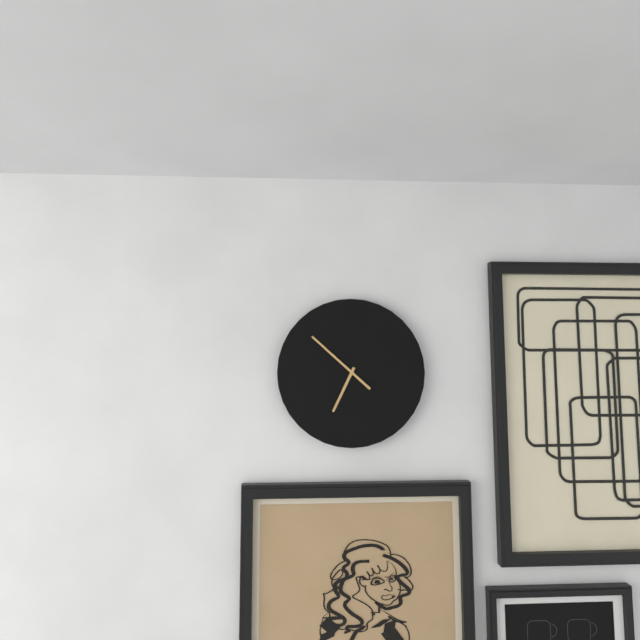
6,52
